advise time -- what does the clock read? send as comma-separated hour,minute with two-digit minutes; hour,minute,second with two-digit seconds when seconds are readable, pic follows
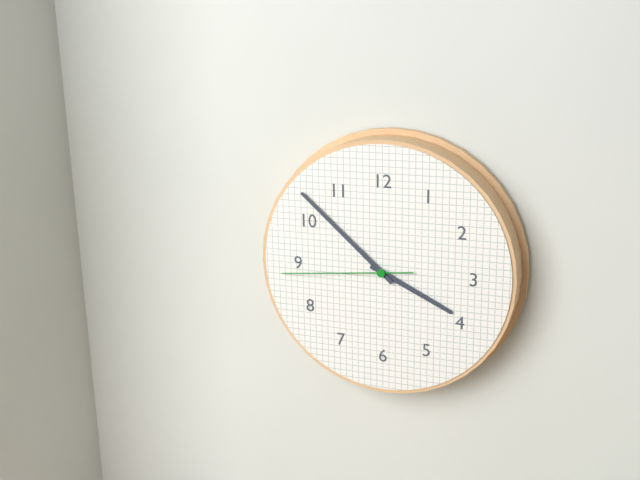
3,52,44
